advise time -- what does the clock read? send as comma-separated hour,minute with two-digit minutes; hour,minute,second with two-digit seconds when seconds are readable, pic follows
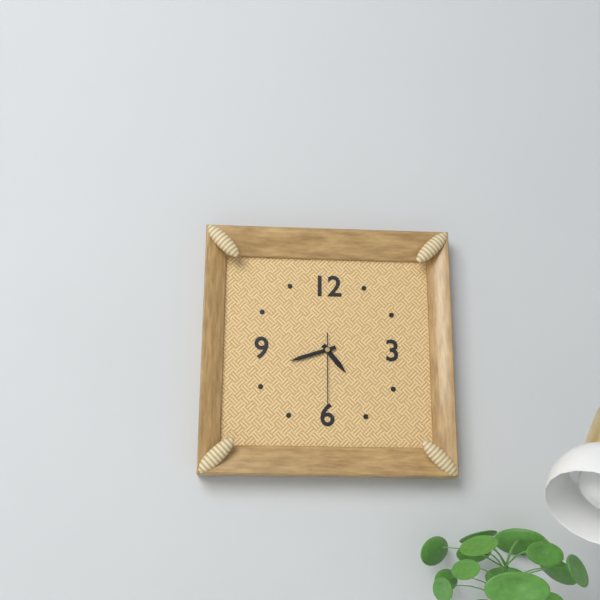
4,42,30
